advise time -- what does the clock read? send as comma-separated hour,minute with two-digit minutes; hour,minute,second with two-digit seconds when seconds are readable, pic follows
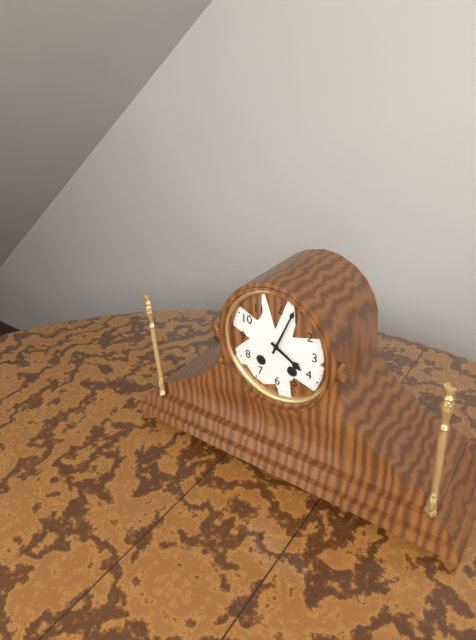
4,04
